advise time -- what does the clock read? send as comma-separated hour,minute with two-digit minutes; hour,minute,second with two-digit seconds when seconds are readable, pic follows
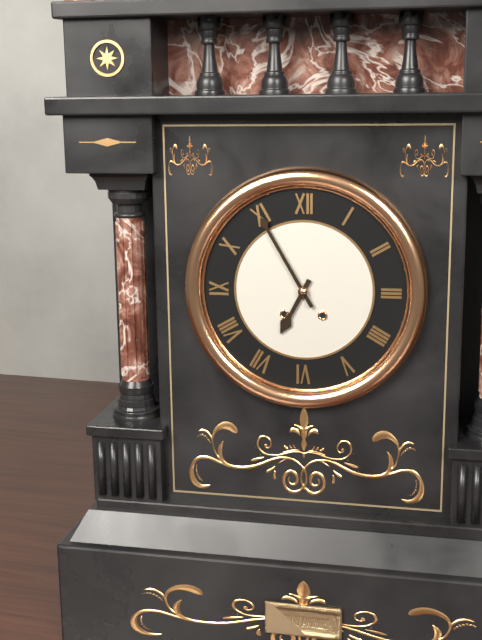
6,55
